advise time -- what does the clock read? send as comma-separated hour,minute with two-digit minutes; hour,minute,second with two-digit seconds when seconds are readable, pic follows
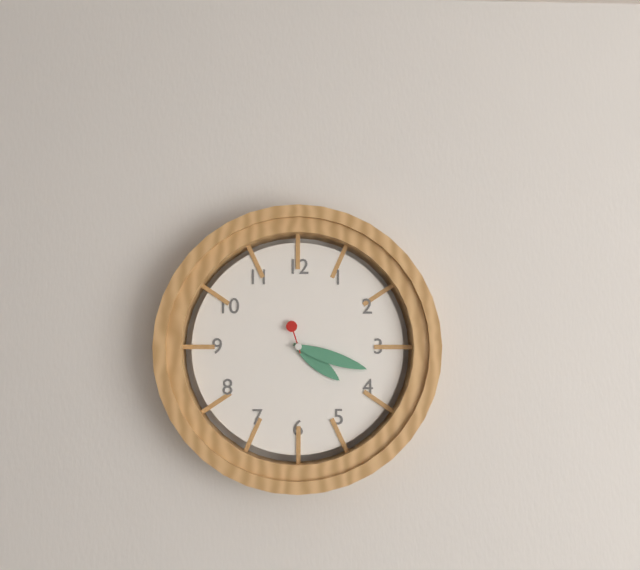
4,18
